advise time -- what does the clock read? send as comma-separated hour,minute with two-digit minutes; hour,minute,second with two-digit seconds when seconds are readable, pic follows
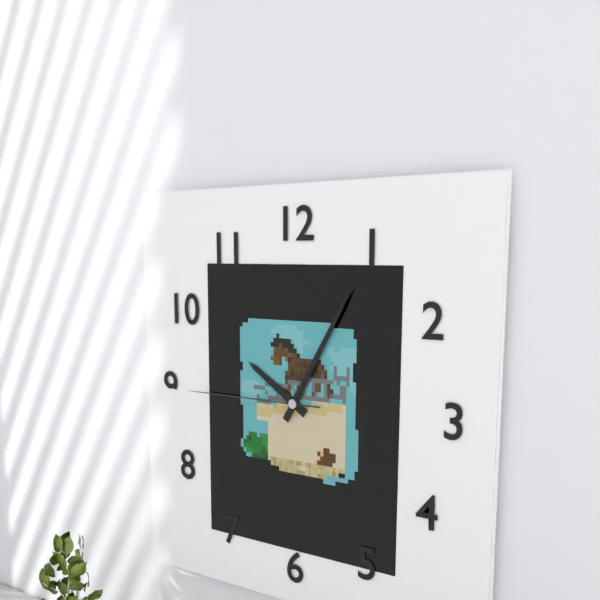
10,05,45
